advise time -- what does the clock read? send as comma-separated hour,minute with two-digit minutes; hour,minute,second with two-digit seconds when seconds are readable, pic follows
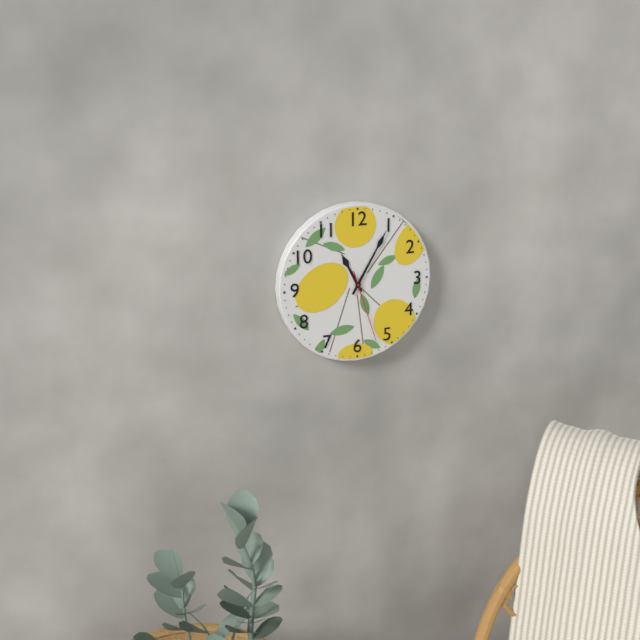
11,05,27
